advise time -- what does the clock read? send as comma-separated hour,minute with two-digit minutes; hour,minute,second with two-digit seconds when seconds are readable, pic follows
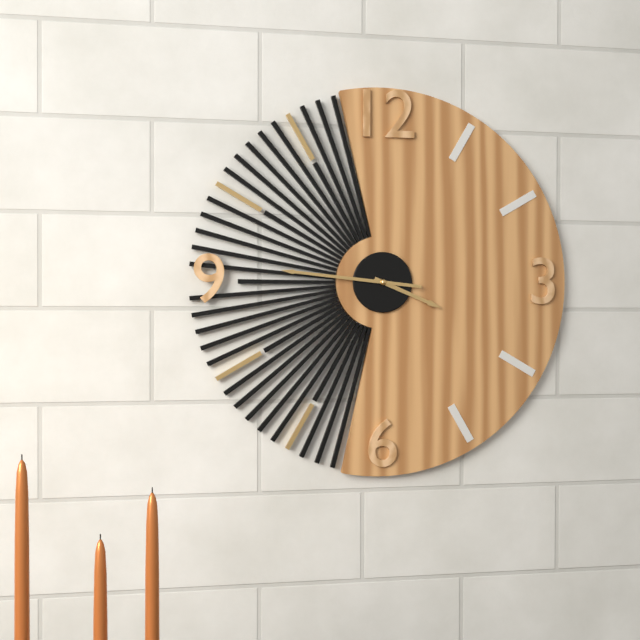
3,46
